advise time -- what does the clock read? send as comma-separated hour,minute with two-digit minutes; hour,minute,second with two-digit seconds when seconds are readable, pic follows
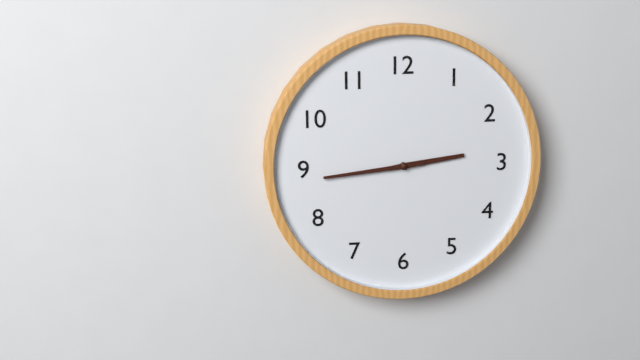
2,44
